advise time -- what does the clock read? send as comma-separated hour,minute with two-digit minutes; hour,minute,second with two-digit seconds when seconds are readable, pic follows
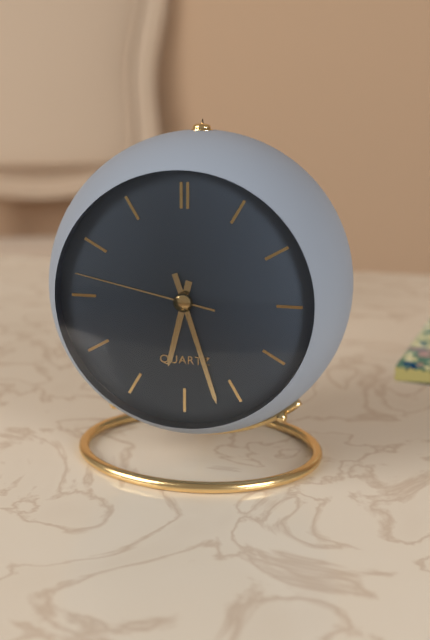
6,27,47
